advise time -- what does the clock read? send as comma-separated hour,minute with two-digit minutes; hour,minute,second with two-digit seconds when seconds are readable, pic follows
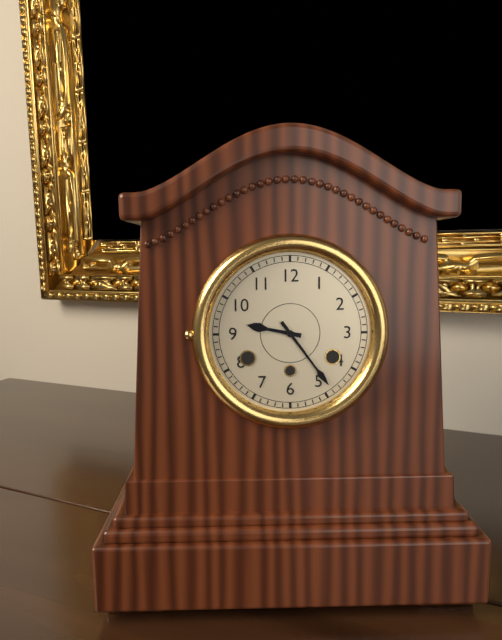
9,24
